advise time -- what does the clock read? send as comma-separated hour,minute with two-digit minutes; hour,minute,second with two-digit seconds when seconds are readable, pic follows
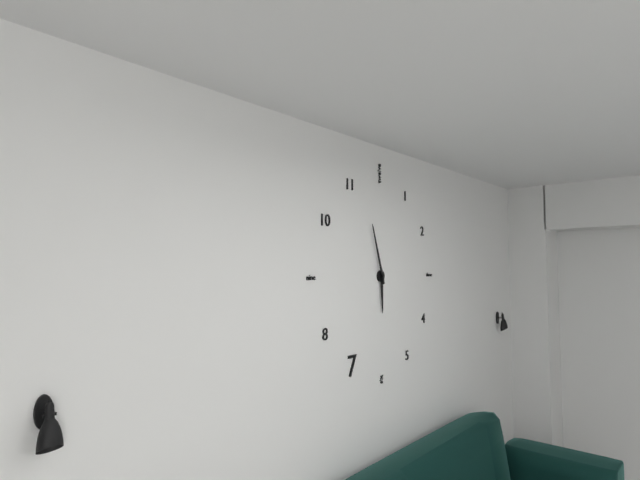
5,57
